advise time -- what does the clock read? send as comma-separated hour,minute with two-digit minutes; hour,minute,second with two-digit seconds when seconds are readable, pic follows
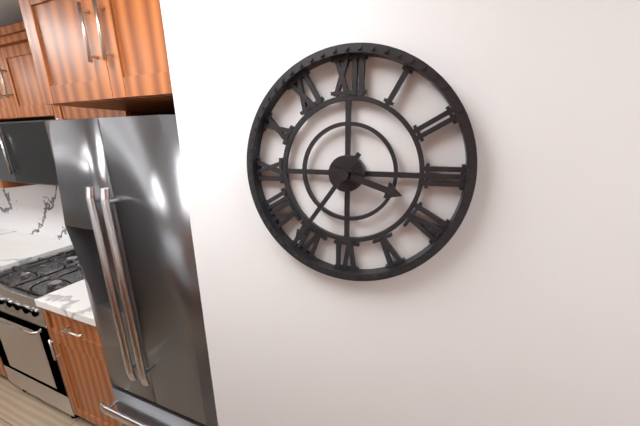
3,36
